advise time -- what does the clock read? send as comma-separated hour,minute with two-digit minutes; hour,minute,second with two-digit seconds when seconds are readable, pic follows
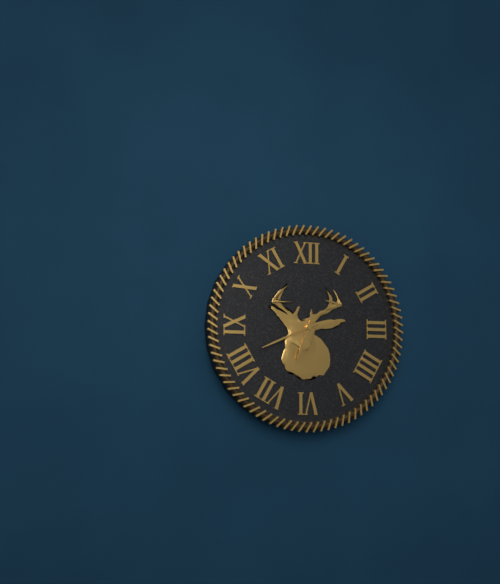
6,41
